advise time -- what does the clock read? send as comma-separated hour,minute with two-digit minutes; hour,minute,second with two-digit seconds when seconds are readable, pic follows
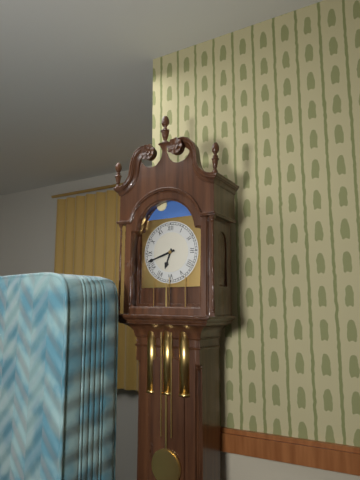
6,42
